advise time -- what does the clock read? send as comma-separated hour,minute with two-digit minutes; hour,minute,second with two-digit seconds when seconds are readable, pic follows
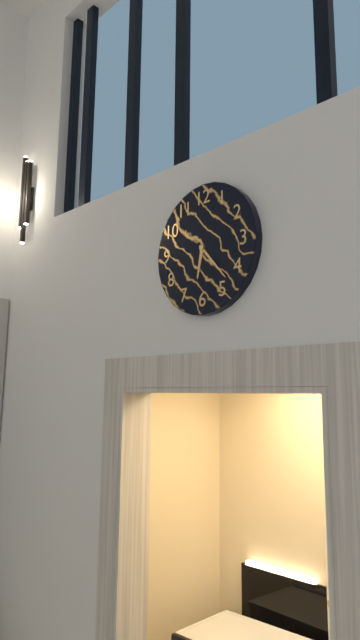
6,23
